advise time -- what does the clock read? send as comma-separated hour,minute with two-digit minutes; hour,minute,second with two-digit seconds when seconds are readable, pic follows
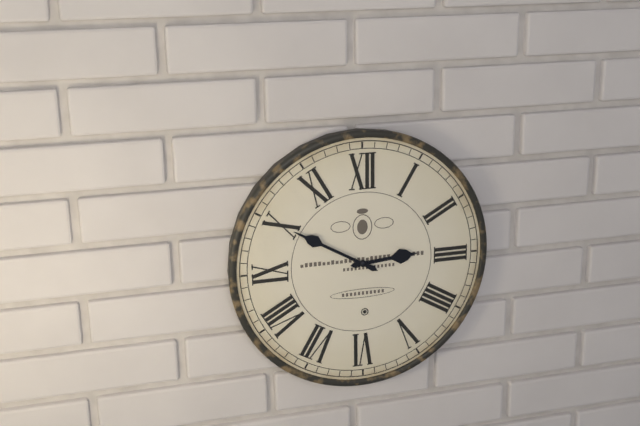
2,50
